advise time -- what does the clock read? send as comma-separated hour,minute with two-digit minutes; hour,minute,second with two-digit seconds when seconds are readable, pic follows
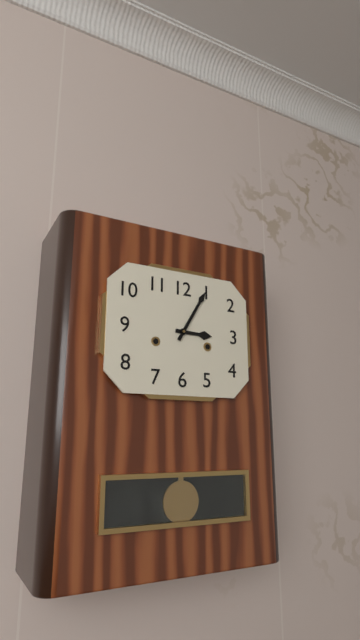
3,05
